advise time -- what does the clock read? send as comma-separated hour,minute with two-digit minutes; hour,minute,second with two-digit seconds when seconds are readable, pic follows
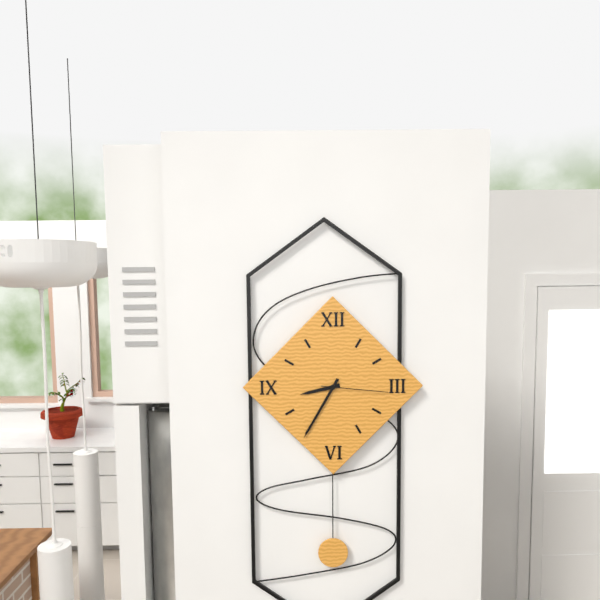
8,35,16
